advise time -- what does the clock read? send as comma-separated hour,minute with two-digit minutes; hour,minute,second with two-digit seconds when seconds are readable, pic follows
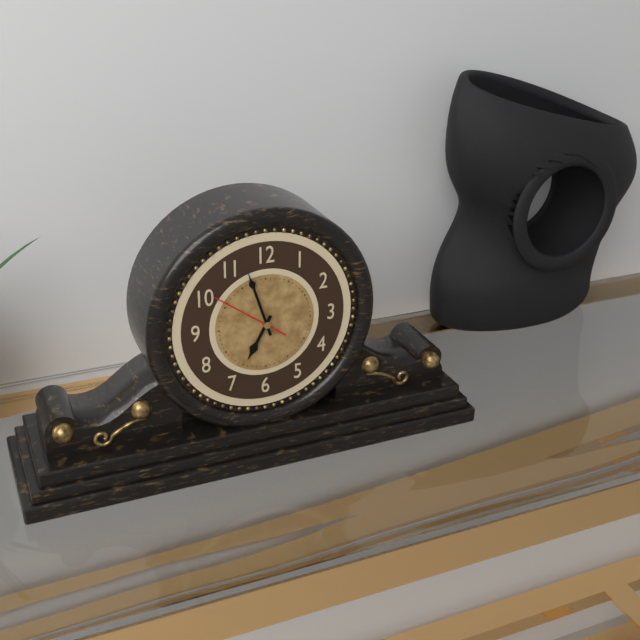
6,57,51
